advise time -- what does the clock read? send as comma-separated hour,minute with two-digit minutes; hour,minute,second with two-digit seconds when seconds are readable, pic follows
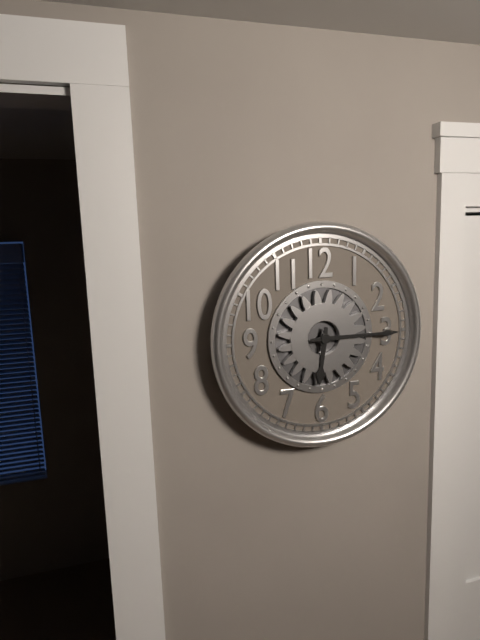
6,15
